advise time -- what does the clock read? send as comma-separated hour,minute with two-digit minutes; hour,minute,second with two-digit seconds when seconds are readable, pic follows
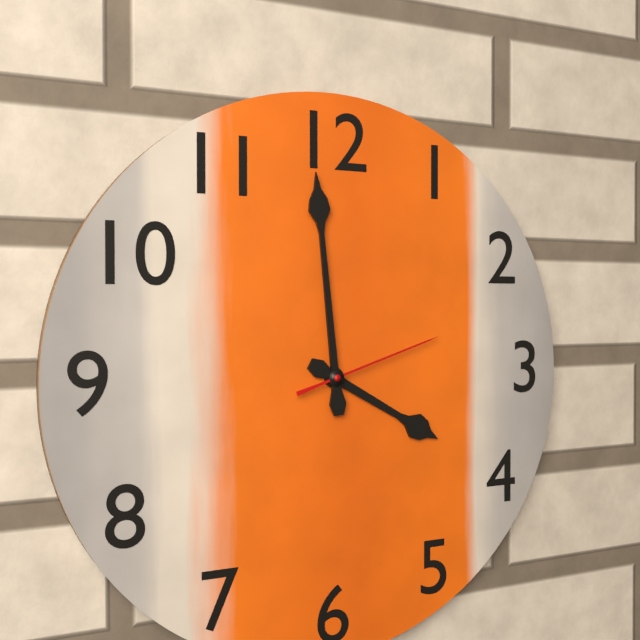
3,59,12
